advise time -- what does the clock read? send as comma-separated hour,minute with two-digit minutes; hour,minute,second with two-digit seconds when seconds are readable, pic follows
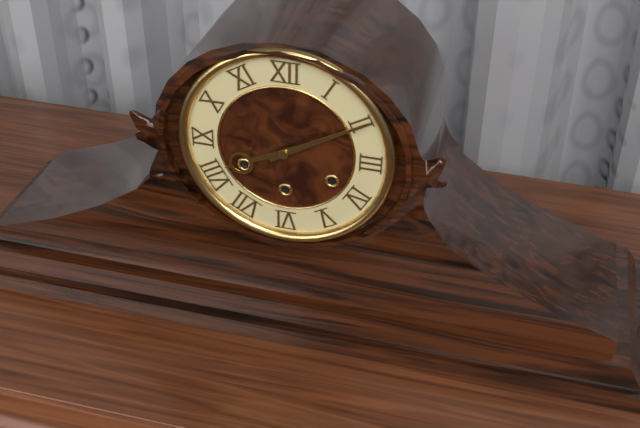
8,10
